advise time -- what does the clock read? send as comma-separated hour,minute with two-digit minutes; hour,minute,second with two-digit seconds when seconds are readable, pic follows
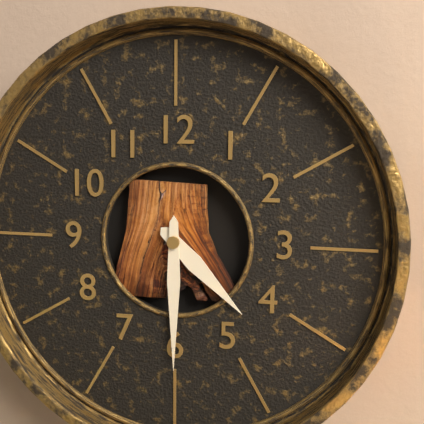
4,30
